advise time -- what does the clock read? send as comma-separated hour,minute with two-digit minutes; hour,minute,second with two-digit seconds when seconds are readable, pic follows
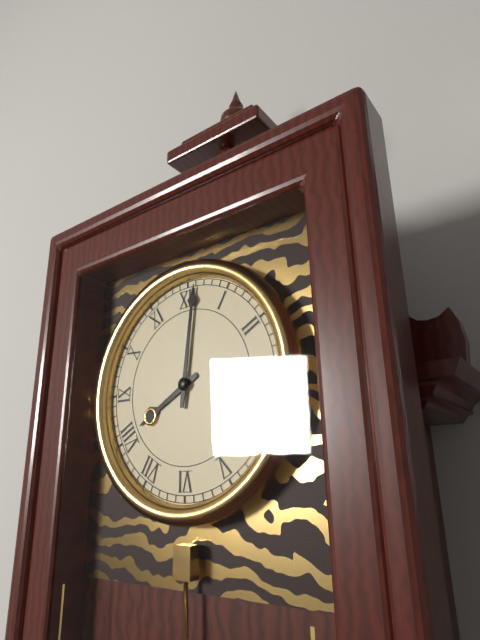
8,01
